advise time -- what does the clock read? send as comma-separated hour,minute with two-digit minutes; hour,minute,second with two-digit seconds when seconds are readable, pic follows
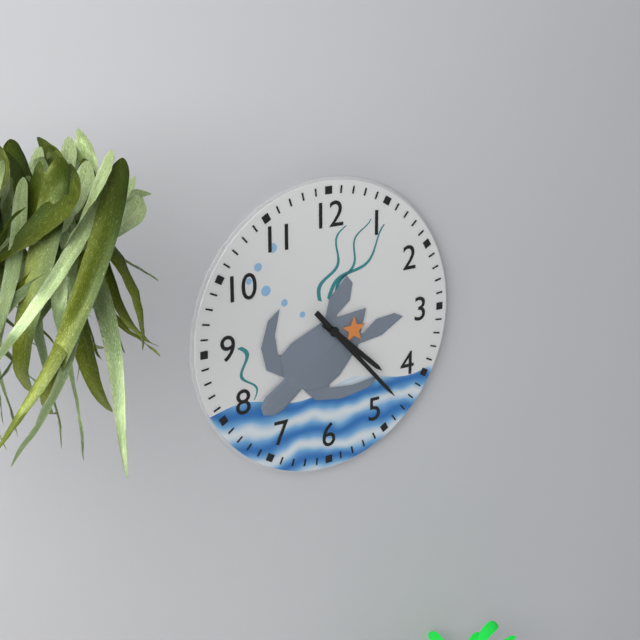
4,23
